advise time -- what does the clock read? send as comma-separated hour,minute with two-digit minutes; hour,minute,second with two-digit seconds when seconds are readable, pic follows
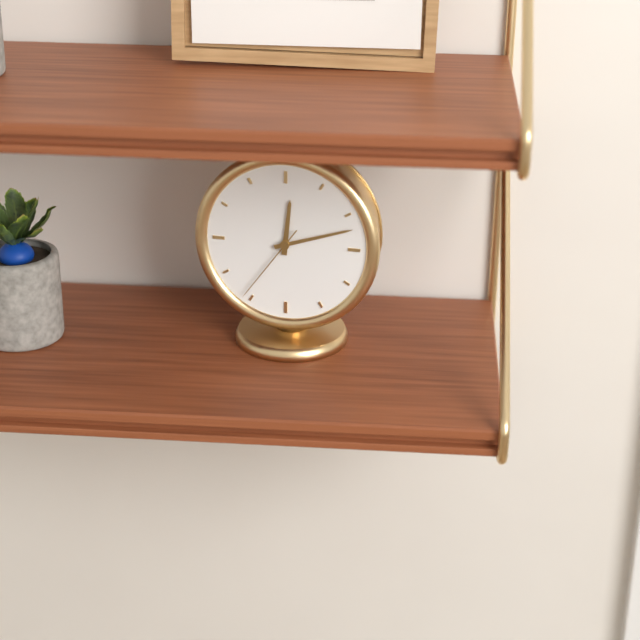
12,12,36
